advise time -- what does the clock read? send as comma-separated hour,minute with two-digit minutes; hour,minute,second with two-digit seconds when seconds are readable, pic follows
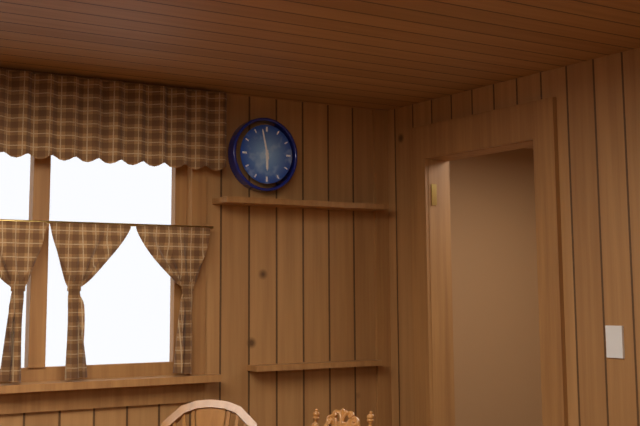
5,58
